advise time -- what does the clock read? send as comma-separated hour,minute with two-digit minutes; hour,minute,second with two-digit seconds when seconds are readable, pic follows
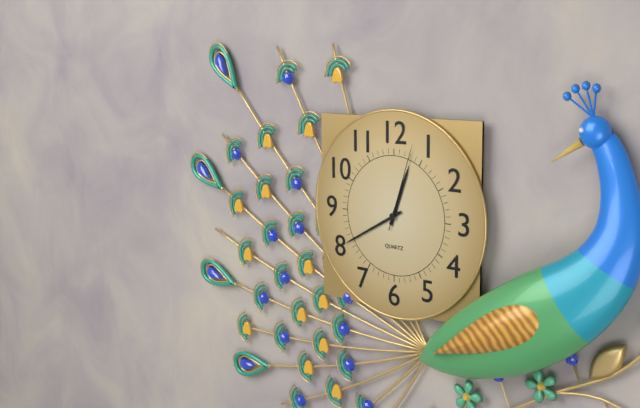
12,40,03
